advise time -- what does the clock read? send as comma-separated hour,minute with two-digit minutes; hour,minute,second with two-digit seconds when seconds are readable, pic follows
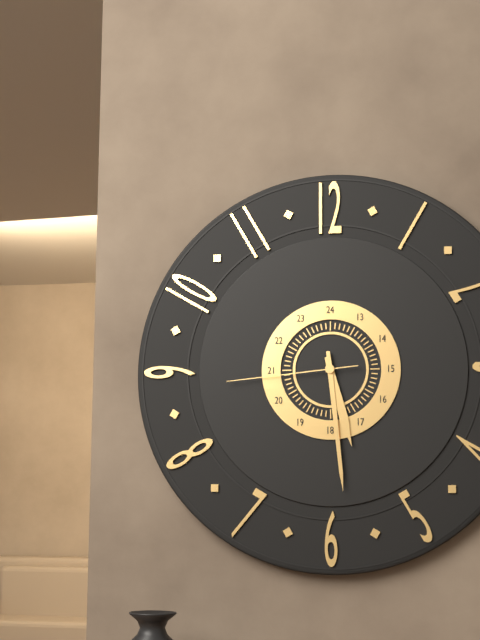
5,29,44
